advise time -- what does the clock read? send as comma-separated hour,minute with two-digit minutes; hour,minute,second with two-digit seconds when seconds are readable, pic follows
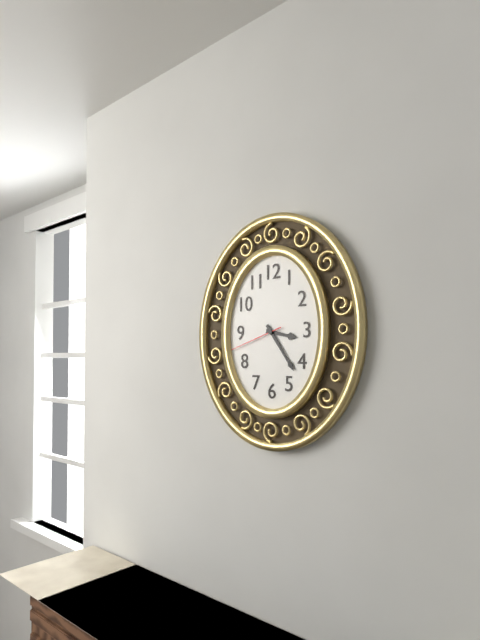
3,24,42
